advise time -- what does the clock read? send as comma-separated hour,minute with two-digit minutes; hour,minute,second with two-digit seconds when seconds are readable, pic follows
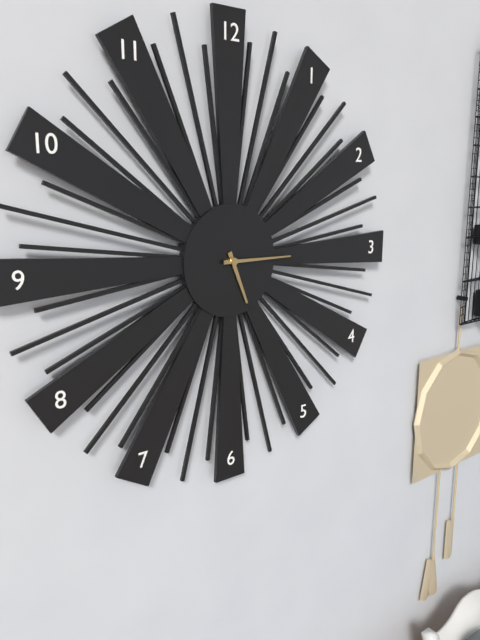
5,15
